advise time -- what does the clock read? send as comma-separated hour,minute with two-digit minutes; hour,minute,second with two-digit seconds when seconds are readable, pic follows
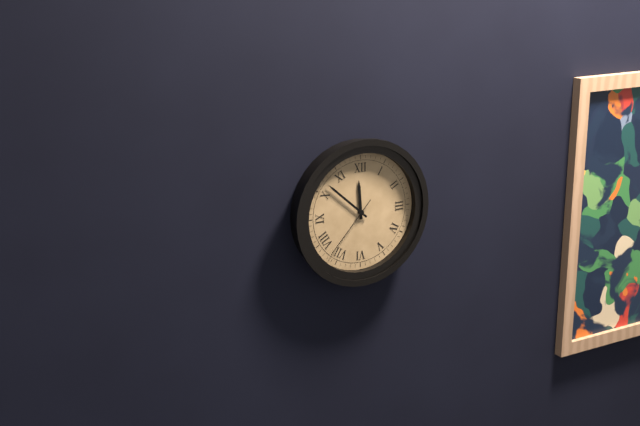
11,52,37
